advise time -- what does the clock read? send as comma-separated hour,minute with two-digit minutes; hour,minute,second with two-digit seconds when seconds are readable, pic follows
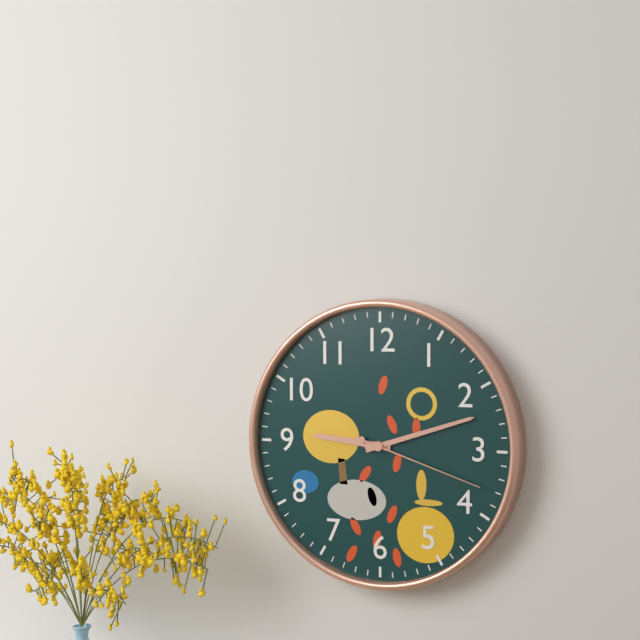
9,12,18
